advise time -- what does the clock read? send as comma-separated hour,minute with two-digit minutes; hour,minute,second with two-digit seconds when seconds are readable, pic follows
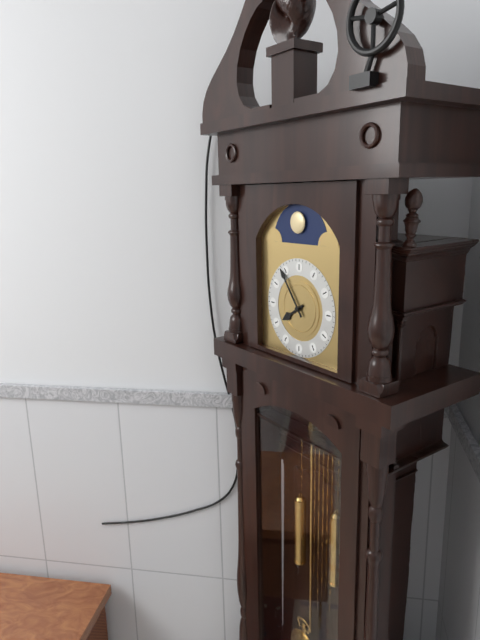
7,54
